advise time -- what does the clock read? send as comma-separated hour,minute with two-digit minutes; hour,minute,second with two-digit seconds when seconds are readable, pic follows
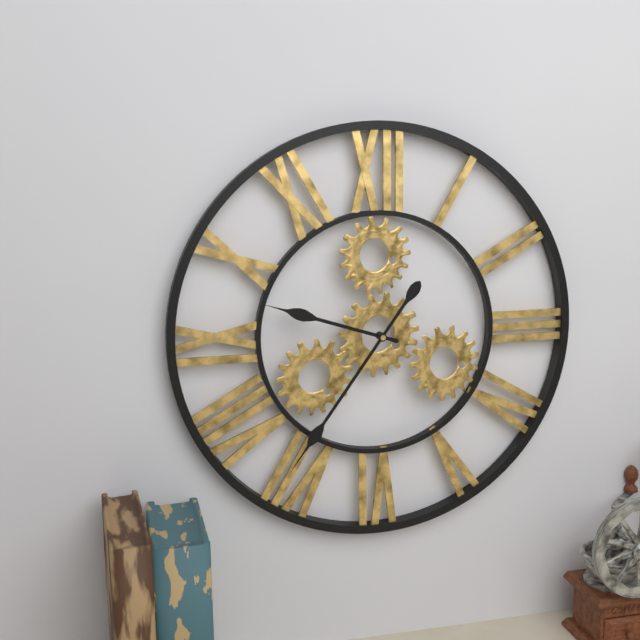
9,36
